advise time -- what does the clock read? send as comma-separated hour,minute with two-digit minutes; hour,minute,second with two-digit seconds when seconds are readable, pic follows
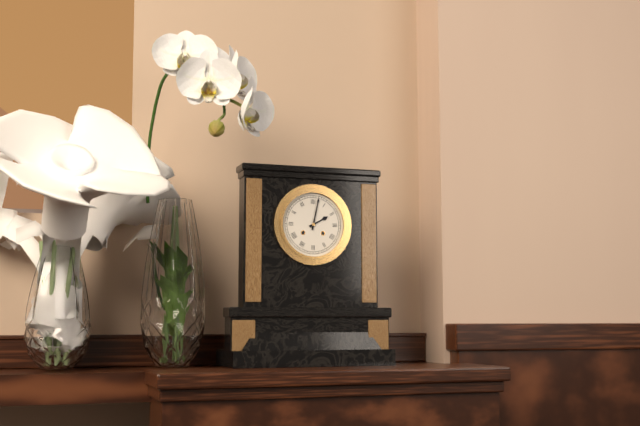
2,02
